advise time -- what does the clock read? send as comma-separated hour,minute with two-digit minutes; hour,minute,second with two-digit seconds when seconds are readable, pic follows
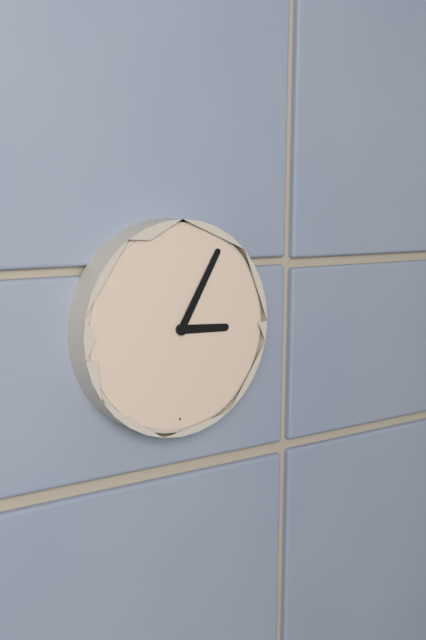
3,05
